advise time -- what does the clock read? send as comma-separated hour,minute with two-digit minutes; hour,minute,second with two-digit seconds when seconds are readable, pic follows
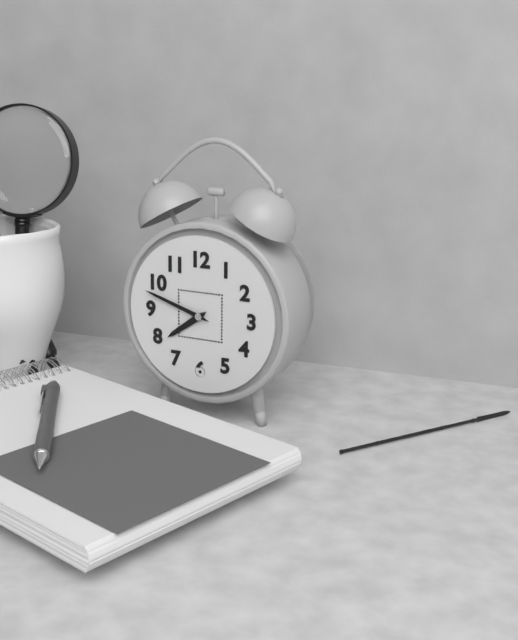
7,48
